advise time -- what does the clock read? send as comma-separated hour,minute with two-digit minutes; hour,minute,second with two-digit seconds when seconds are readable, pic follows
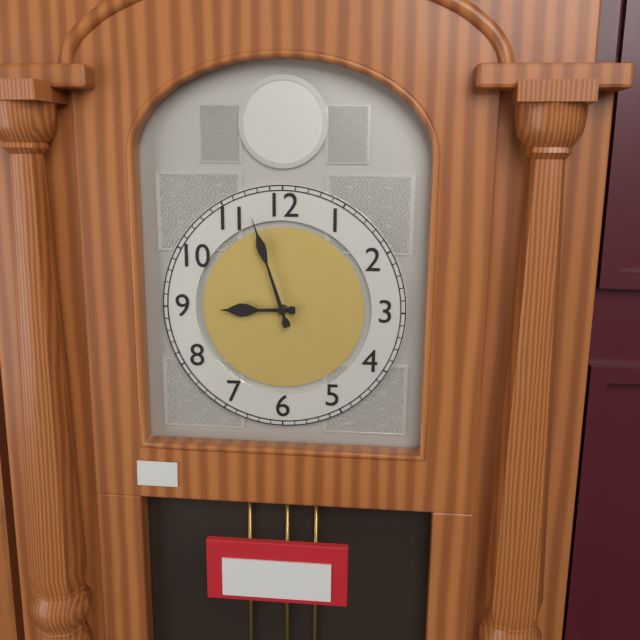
8,57
